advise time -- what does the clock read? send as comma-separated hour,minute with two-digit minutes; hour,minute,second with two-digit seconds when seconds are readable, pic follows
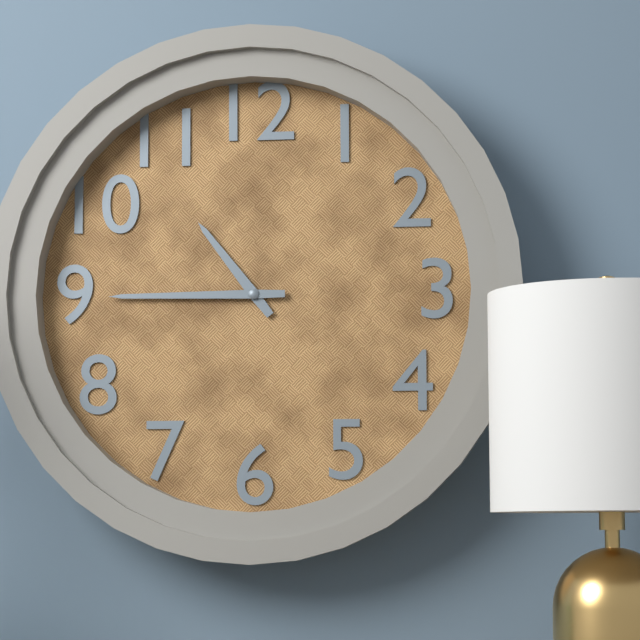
10,45
